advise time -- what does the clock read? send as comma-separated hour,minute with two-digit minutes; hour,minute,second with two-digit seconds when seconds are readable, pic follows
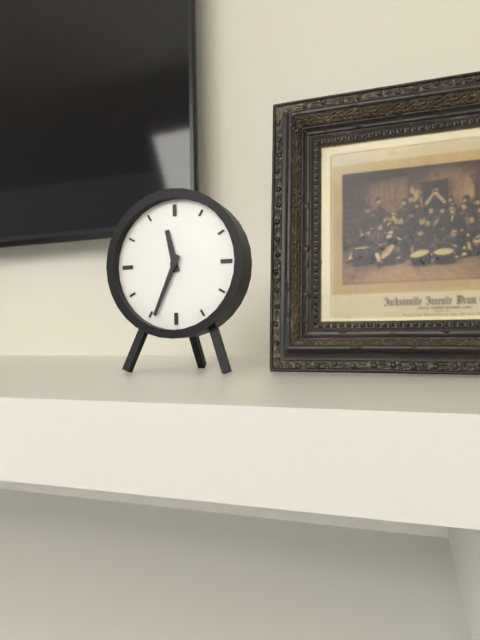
11,34
